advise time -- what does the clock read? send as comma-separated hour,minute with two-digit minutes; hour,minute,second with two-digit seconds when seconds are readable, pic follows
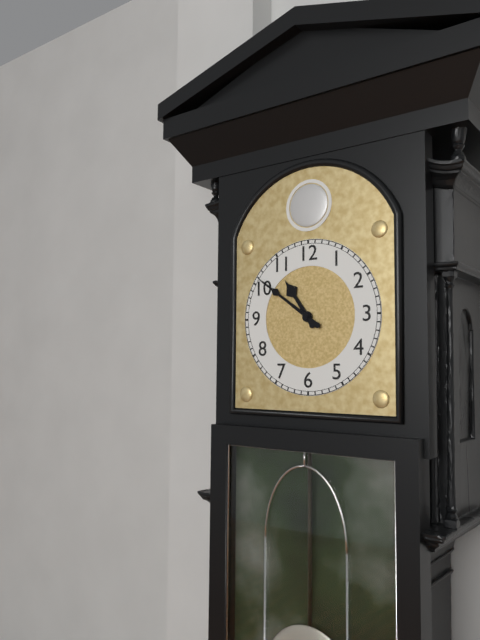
10,51
